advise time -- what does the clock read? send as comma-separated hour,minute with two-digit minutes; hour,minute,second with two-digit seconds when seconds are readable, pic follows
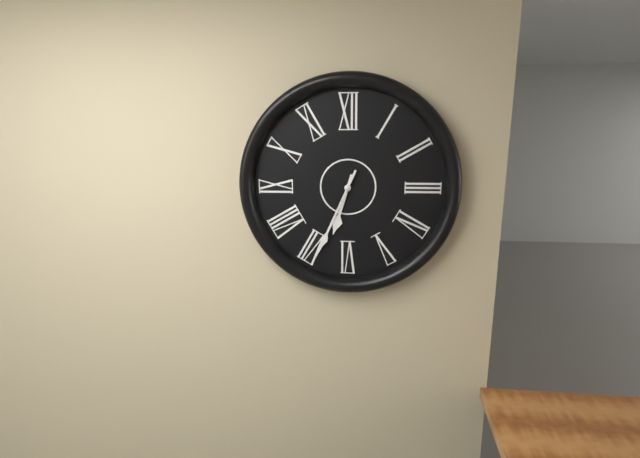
6,34
